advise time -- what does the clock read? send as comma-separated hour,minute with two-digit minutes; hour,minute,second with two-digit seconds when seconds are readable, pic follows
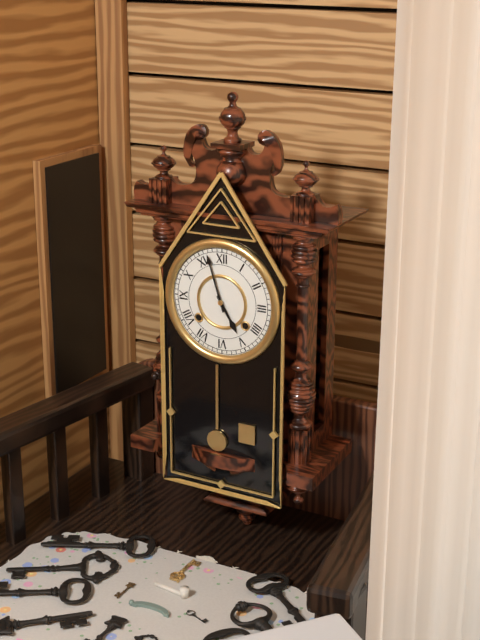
4,57
